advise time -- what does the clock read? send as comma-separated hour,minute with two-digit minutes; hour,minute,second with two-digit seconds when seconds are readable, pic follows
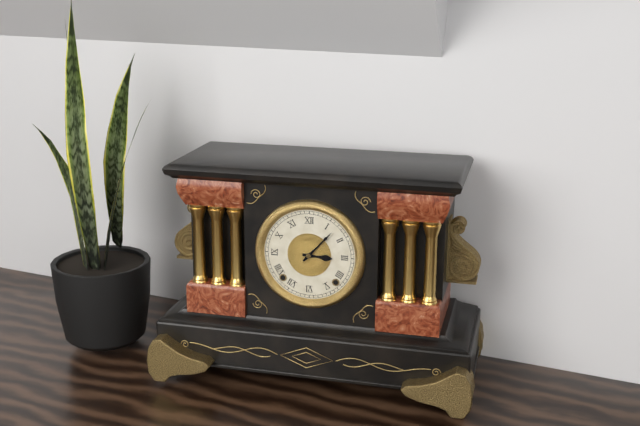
3,07
